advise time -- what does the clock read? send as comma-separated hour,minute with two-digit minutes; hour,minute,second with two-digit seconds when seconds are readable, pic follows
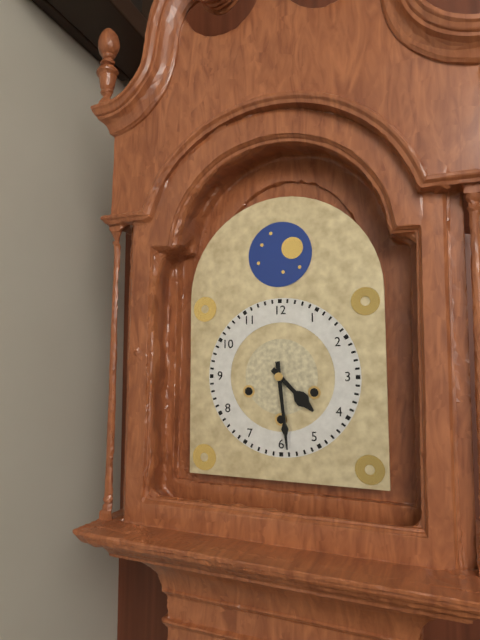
4,29
